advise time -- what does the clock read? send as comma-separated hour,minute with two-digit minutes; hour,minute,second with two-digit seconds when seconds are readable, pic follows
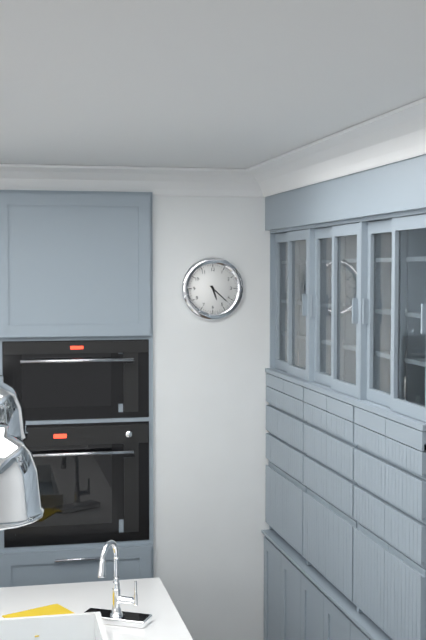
5,22
